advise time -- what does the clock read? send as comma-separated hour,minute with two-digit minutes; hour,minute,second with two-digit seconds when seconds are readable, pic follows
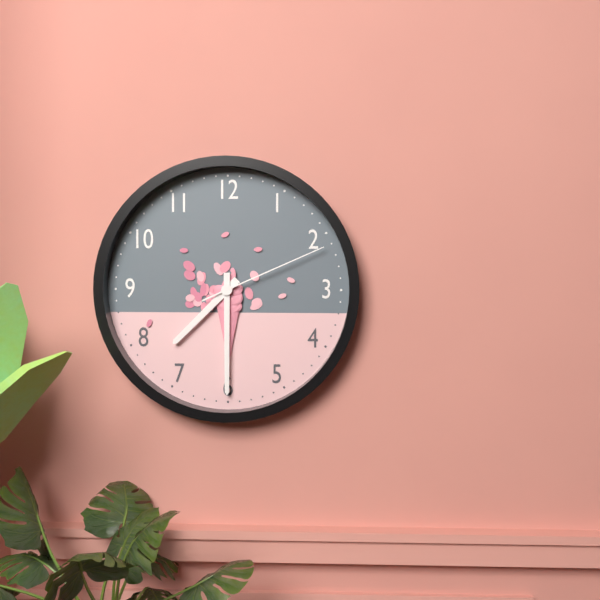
7,30,11
